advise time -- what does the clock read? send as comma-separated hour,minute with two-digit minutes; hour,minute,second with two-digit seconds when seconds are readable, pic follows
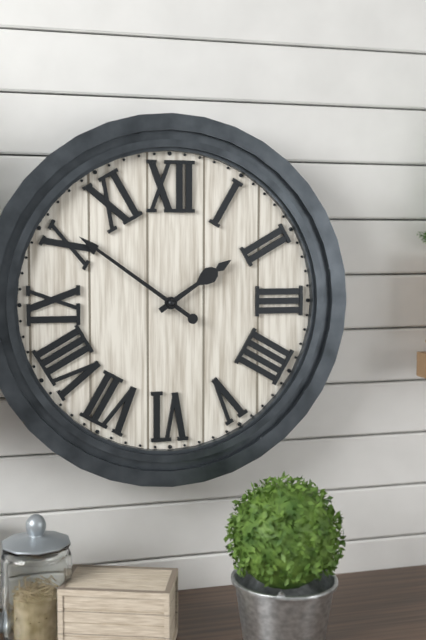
1,51
